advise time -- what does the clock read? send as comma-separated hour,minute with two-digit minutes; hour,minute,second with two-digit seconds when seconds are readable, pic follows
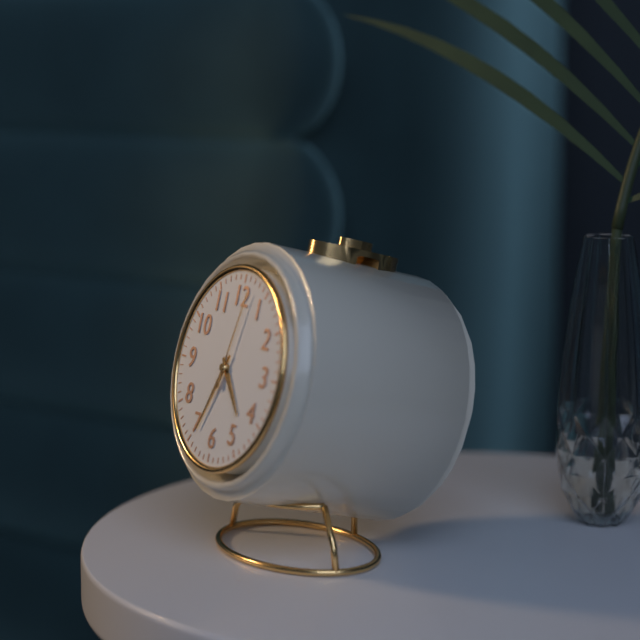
4,34,02
